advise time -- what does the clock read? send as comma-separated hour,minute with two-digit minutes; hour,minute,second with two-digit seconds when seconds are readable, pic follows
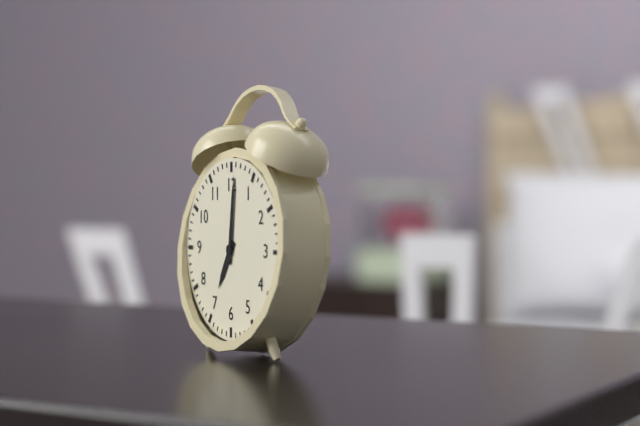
7,01
